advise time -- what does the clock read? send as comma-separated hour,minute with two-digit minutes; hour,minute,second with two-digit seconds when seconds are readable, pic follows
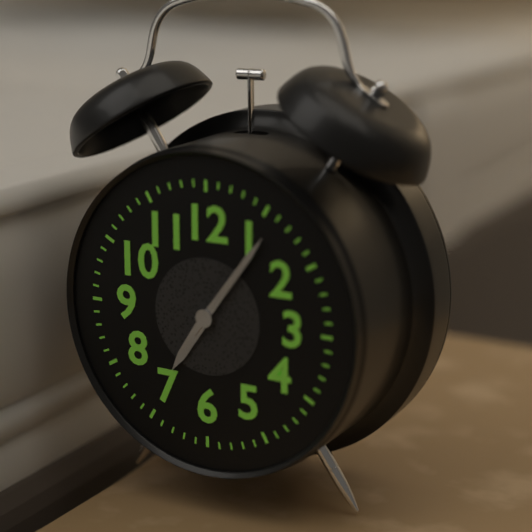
7,06
